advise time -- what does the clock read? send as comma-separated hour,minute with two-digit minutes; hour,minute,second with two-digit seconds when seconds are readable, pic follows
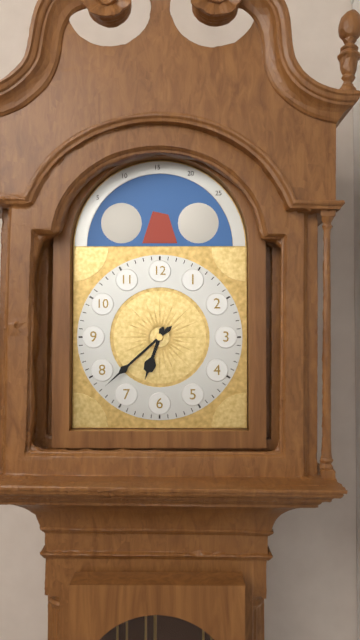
6,38
